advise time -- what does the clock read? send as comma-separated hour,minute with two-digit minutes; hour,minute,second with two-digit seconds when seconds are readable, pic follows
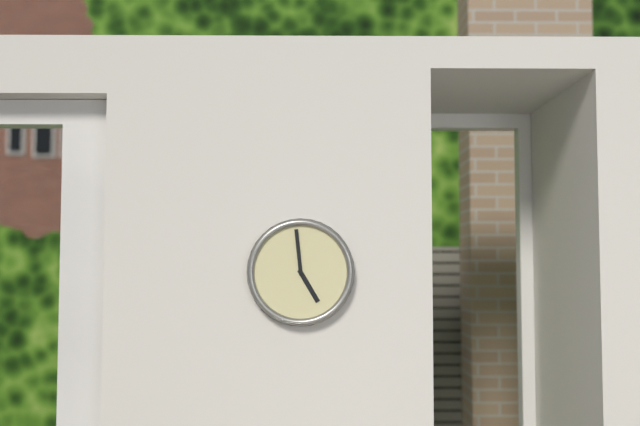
4,59
